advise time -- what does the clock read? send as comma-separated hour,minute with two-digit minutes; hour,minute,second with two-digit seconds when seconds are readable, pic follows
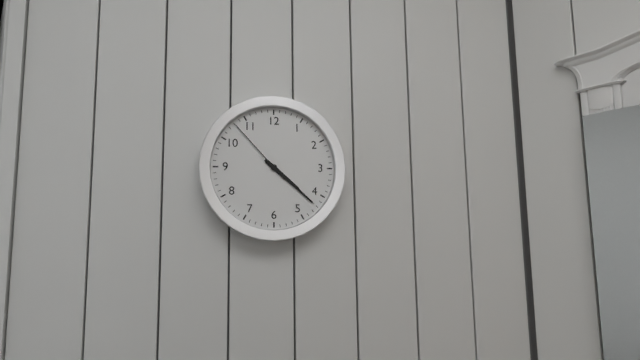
4,22,53
